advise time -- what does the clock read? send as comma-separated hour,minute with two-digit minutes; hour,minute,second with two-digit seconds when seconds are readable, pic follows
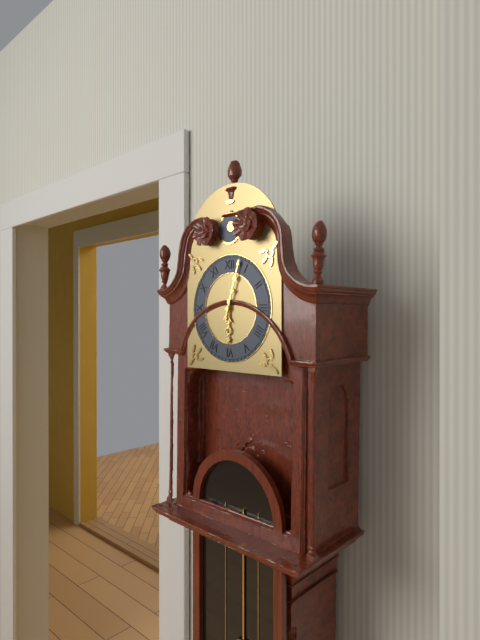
6,03
